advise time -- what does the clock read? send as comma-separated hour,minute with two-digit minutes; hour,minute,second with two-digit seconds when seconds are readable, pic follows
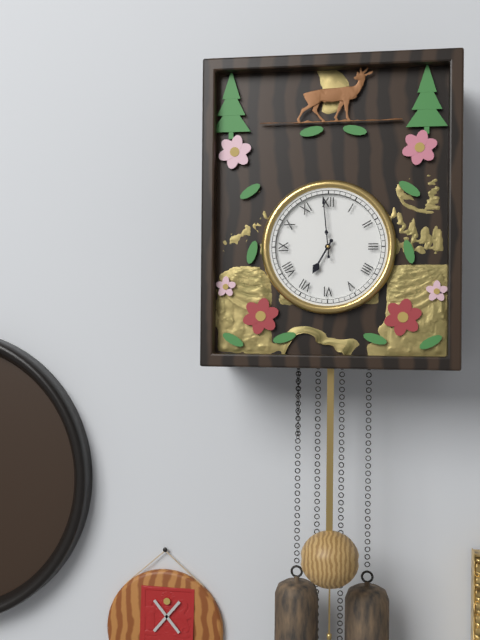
6,59
